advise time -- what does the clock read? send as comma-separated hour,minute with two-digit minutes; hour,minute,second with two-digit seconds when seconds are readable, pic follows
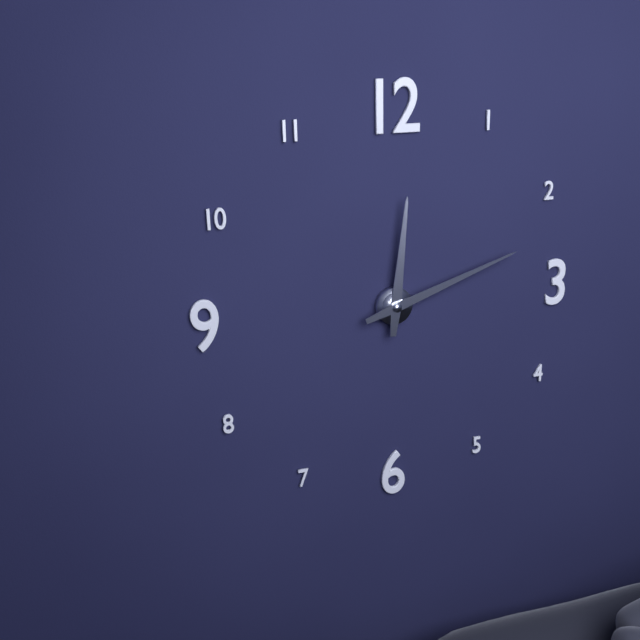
12,12
